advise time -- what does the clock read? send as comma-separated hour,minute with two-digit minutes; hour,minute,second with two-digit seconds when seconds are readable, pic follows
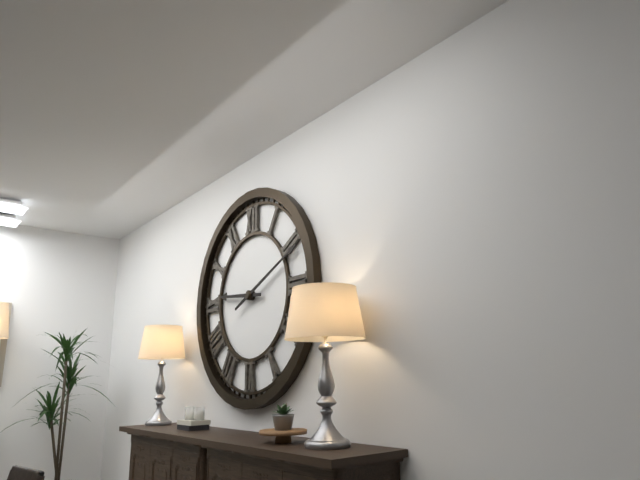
9,11
